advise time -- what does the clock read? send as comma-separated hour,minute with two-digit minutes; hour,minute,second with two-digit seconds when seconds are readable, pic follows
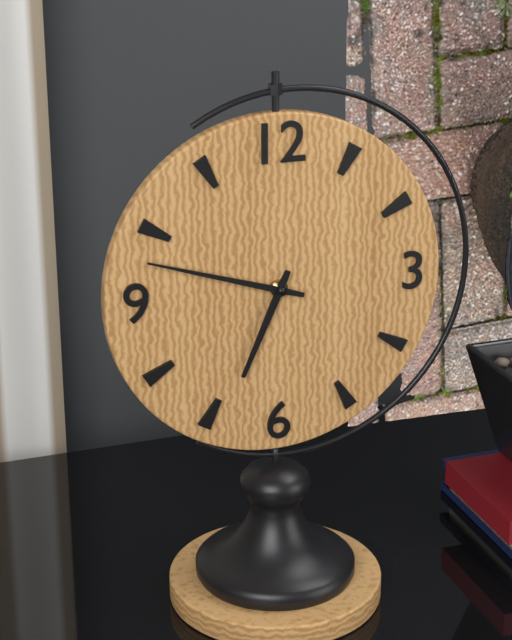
6,48
